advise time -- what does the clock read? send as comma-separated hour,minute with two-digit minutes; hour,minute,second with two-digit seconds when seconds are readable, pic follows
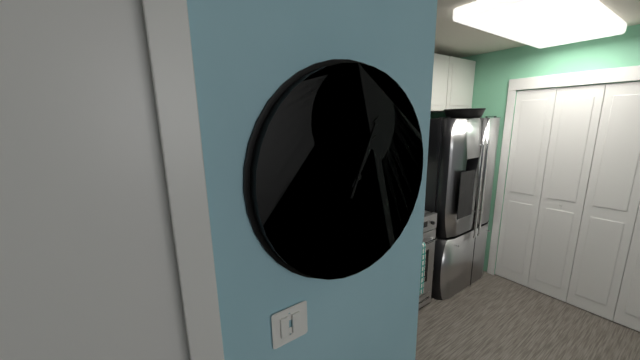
1,04
